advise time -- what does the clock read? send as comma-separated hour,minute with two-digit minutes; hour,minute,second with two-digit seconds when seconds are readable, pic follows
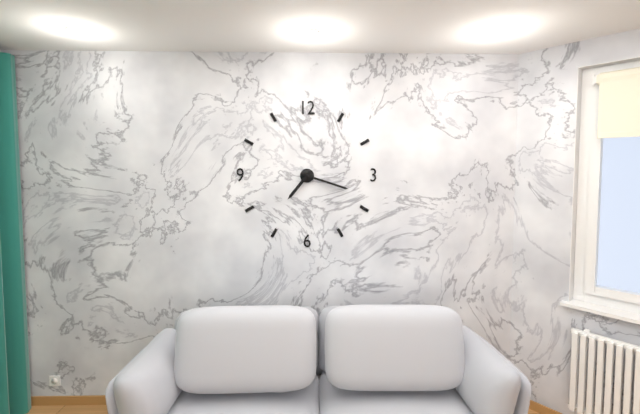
7,18
